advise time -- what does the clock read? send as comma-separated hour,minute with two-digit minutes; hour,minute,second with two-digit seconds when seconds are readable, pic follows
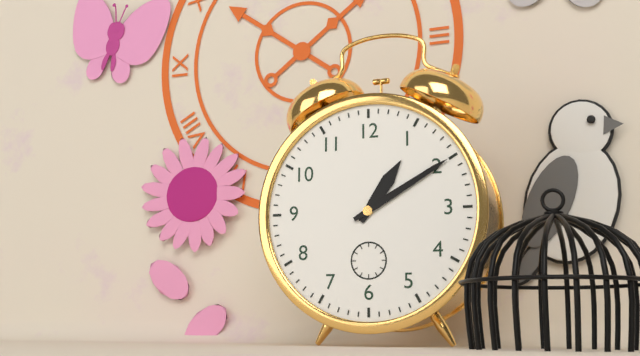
1,10
